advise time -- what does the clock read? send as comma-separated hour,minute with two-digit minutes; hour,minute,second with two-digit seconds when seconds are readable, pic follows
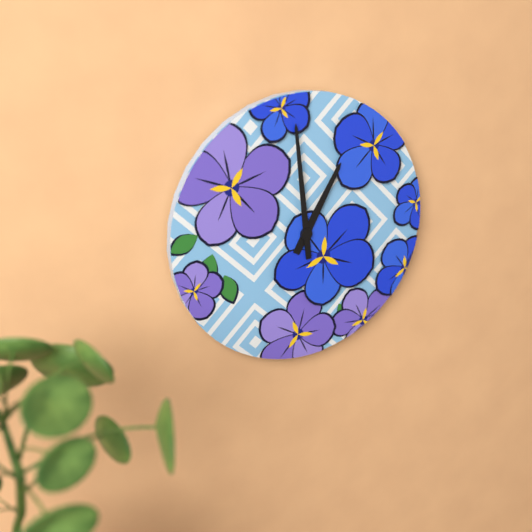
12,59
